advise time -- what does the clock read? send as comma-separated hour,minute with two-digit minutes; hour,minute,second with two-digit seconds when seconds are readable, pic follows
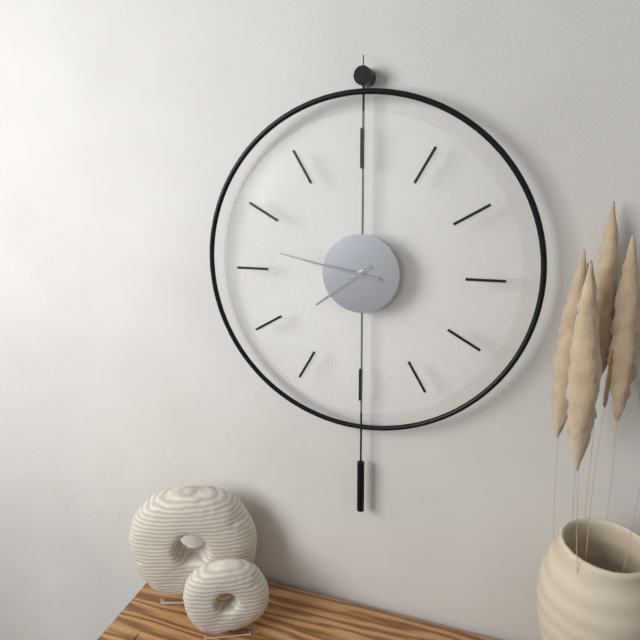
7,47
